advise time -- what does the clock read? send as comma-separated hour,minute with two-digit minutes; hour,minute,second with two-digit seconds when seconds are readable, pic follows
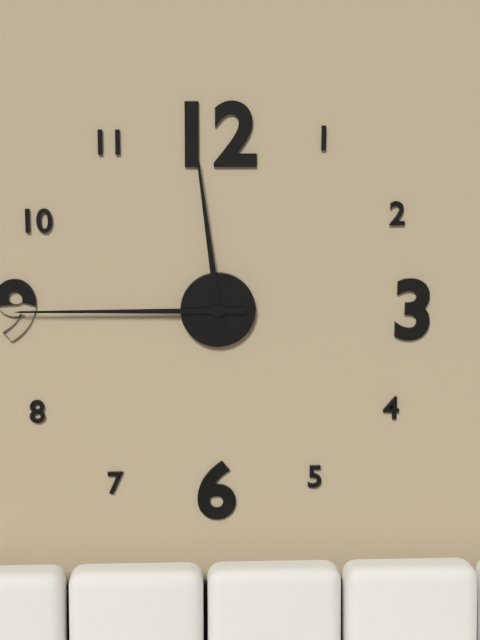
11,45
